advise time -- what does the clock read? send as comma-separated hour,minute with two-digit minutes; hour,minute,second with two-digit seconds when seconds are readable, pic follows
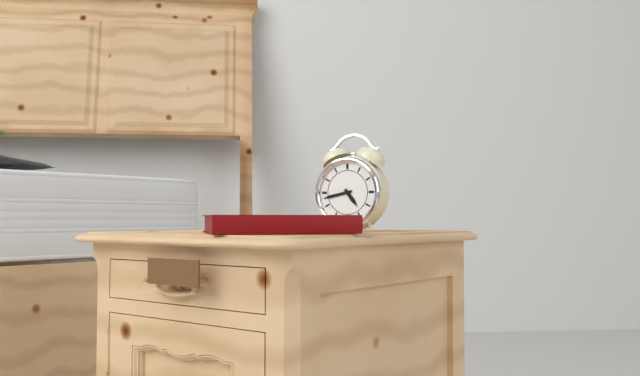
4,43
